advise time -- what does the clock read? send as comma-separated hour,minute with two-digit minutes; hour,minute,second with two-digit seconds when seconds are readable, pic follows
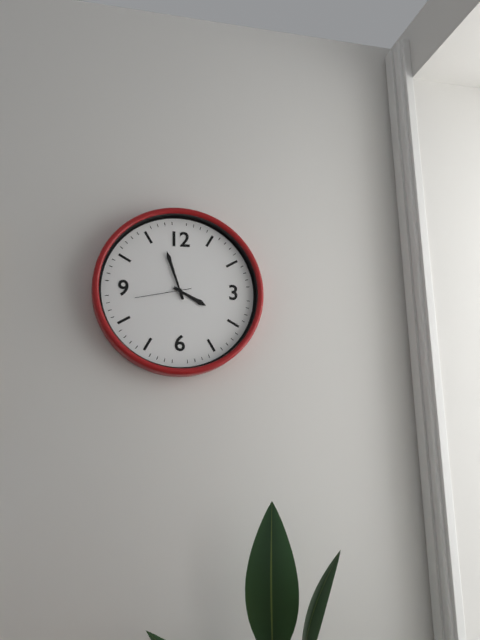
3,57,43
